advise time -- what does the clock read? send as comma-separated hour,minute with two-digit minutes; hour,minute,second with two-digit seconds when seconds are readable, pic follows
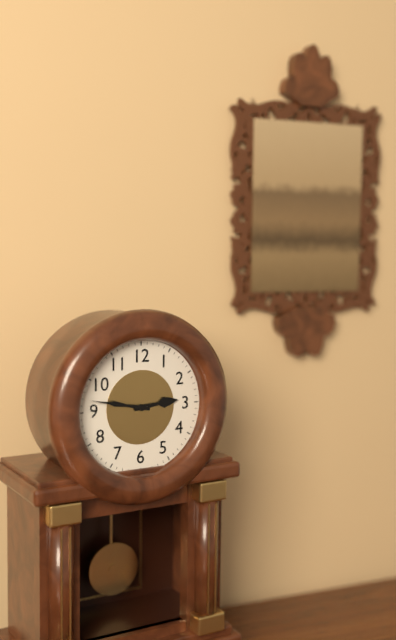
2,47
